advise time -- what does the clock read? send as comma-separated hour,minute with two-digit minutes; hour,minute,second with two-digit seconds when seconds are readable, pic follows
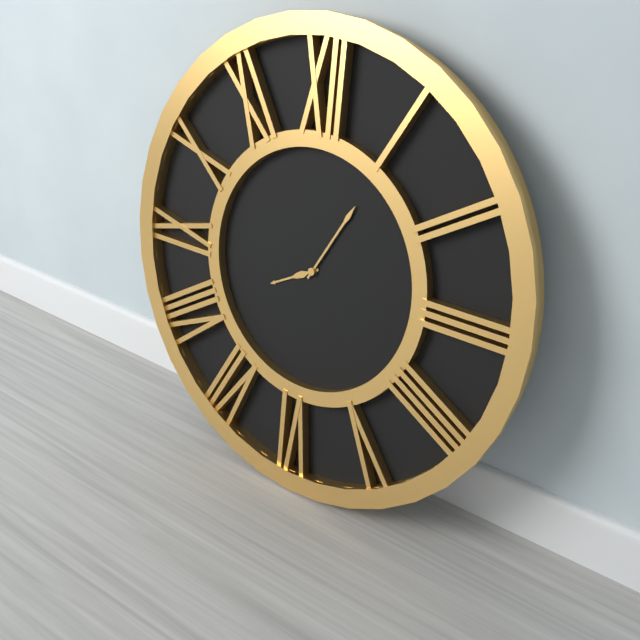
8,05
